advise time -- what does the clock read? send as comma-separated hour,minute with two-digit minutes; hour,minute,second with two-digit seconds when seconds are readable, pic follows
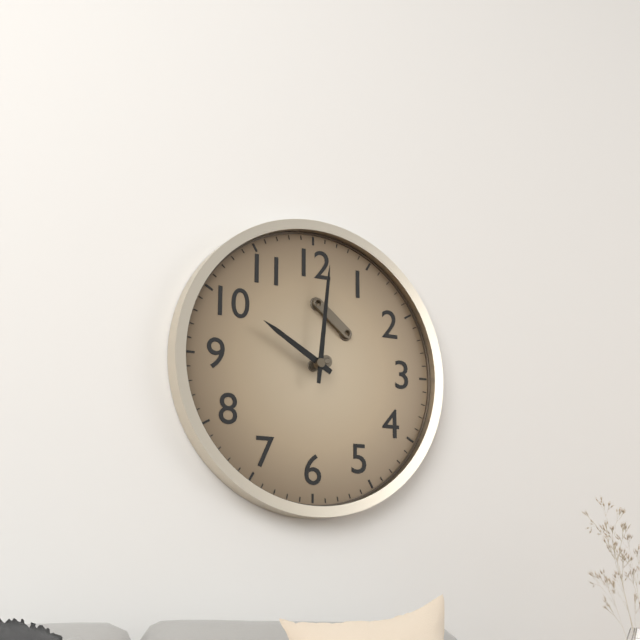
10,01
